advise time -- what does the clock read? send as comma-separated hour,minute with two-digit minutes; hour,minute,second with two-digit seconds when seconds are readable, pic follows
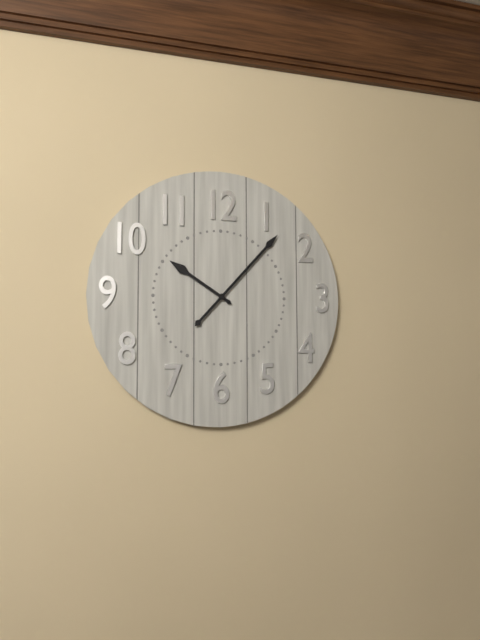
10,07
